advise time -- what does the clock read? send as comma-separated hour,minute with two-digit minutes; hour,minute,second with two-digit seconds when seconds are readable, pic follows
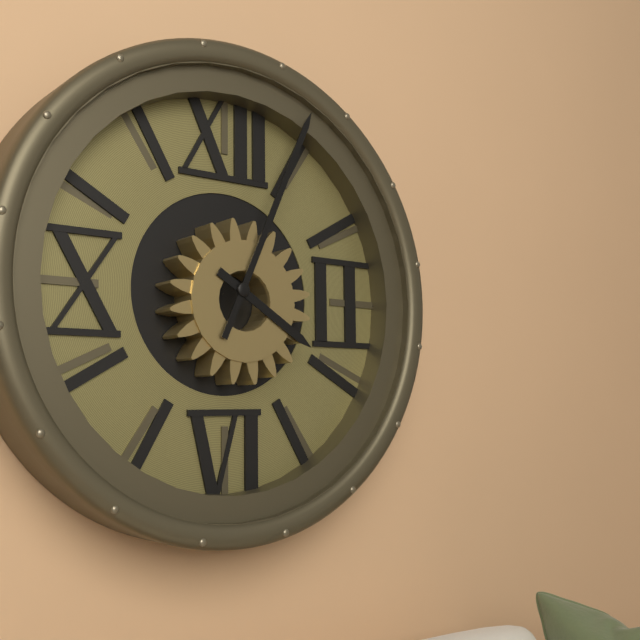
4,04
